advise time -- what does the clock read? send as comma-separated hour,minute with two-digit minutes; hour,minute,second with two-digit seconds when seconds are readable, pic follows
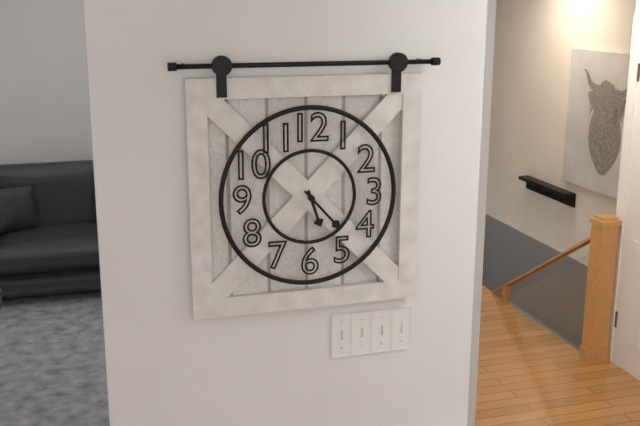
5,23
